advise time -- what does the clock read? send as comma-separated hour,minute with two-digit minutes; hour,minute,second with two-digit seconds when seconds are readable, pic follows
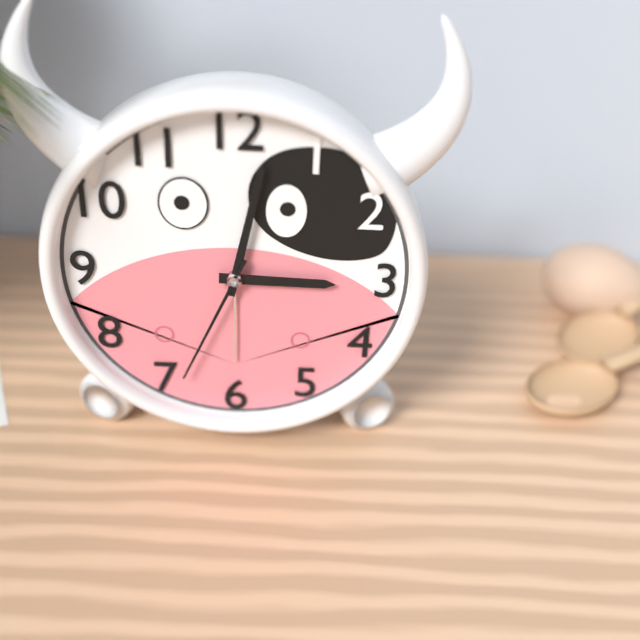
3,02,34
